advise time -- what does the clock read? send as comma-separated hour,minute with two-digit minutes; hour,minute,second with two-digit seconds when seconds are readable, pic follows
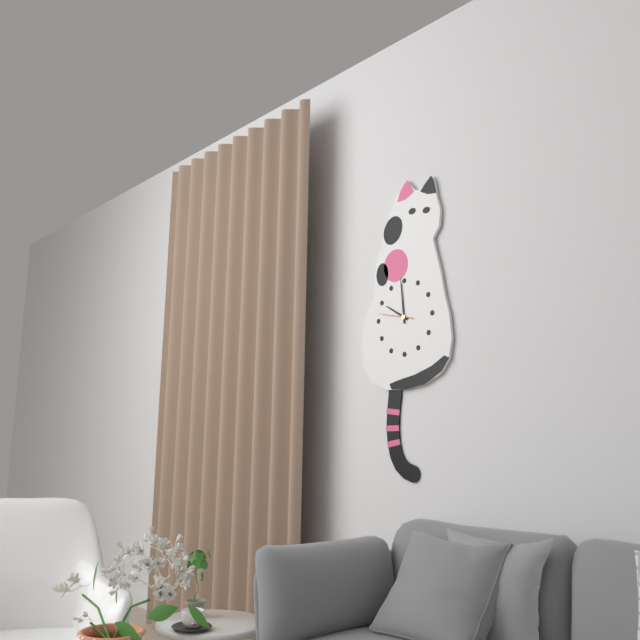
9,59
